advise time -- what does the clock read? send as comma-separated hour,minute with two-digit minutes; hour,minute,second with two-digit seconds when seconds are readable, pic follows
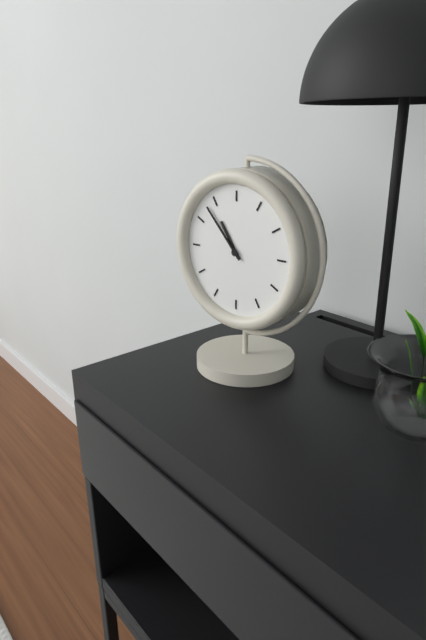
10,53
